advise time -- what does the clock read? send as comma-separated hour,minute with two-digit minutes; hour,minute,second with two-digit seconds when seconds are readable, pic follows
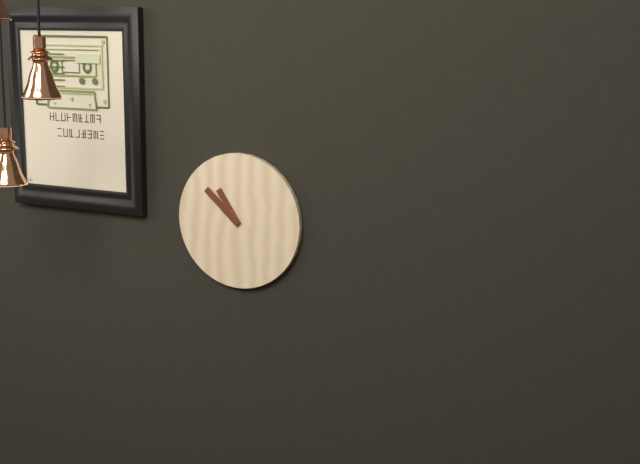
10,52
